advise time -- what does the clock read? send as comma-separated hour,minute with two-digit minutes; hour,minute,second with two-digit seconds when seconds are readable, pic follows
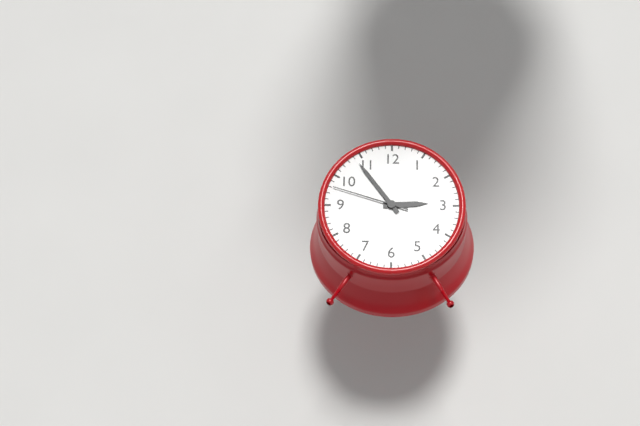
2,54,48
